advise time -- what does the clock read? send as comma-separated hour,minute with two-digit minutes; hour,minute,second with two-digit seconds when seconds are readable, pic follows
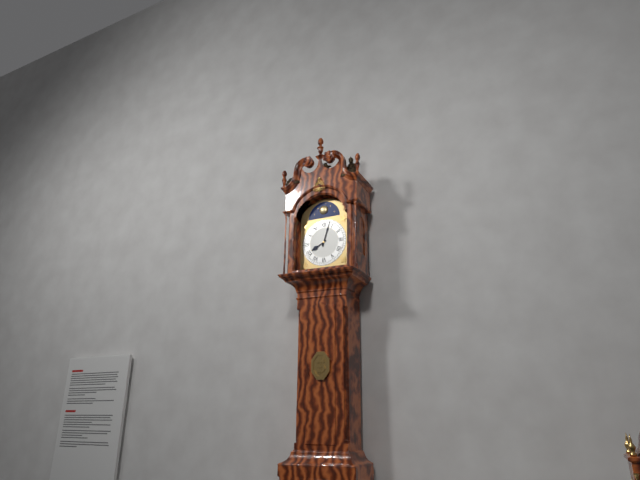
8,03
